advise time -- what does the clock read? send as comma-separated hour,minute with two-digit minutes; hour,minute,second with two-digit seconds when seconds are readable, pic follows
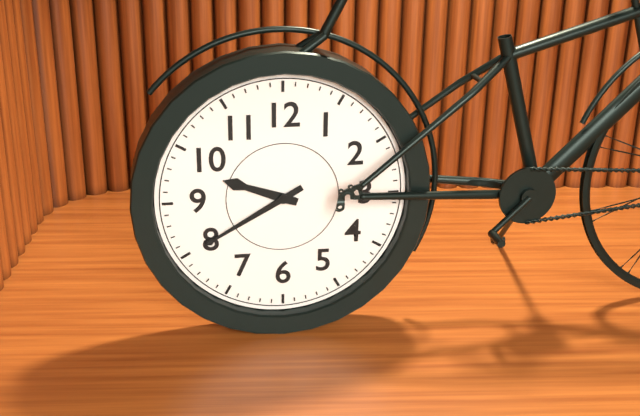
9,40
